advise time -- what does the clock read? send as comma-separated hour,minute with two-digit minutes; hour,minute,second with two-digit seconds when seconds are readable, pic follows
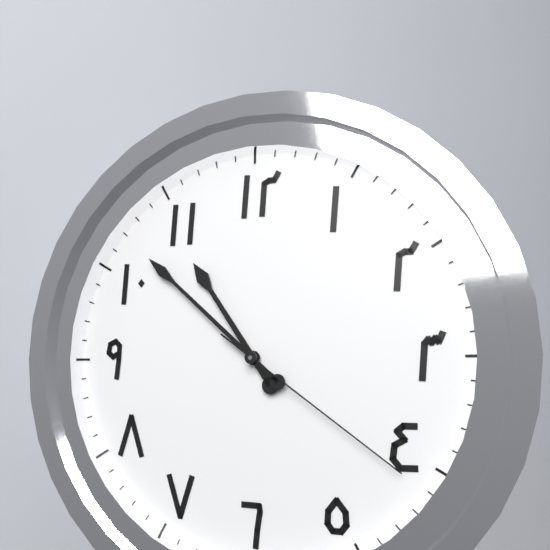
10,52,21
